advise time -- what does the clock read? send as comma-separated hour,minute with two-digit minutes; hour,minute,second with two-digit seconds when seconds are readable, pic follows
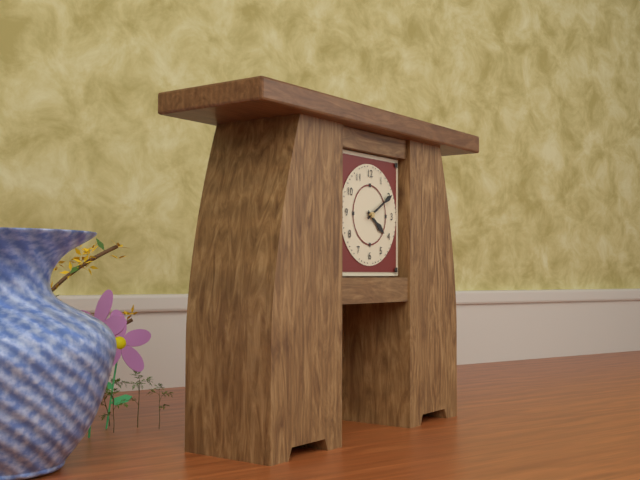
4,10
